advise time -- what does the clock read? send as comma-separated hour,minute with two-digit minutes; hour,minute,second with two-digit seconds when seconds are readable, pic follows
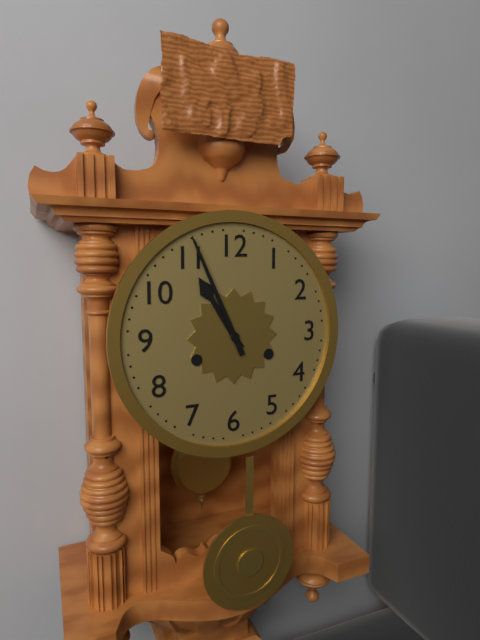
10,56
